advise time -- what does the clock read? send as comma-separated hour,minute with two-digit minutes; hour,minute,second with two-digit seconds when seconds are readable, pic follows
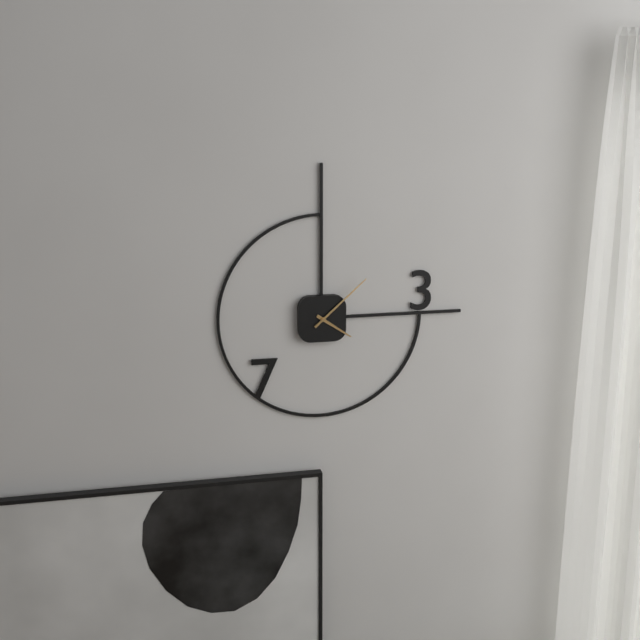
4,08
